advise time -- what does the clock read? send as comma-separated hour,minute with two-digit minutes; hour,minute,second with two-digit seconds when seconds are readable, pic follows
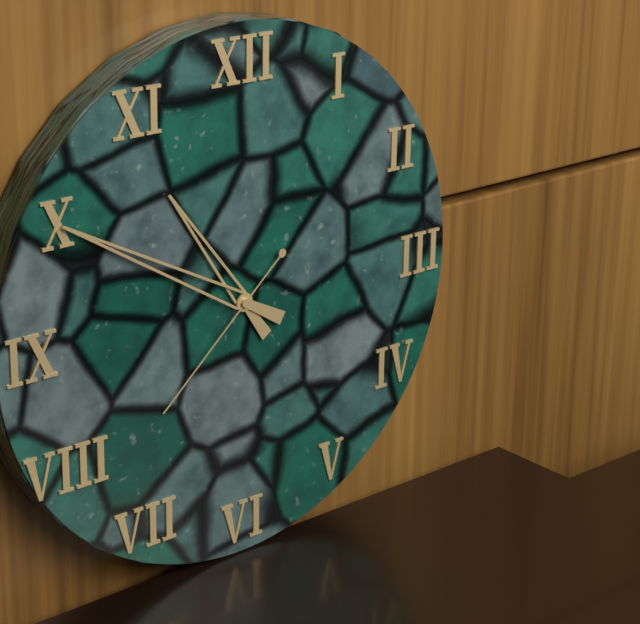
10,50,38
